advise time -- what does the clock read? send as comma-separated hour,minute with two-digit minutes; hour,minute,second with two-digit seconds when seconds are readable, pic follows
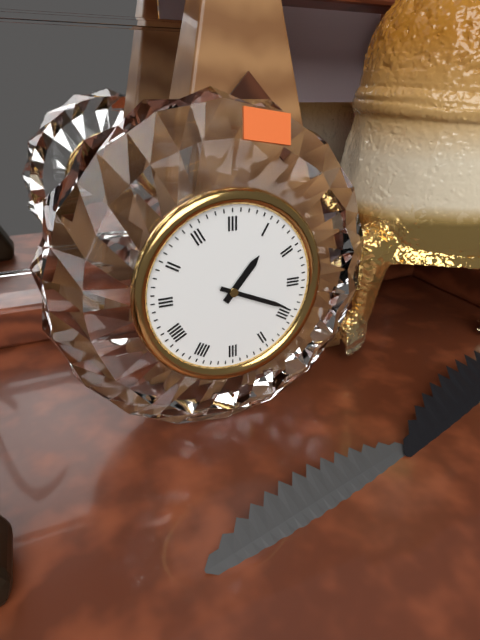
1,19
